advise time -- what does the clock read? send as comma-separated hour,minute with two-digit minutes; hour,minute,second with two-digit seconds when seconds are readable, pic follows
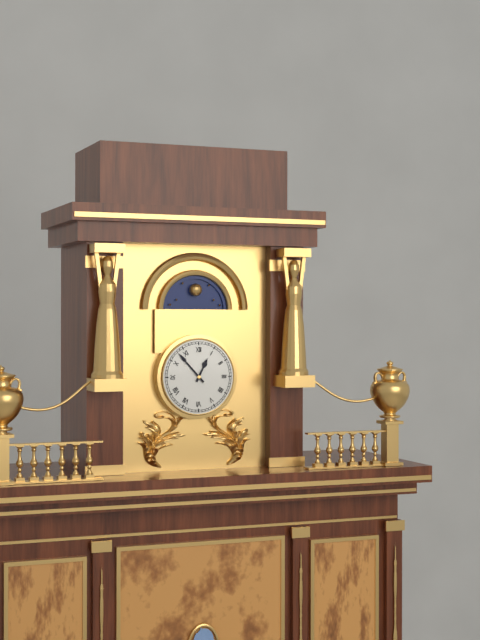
12,53
